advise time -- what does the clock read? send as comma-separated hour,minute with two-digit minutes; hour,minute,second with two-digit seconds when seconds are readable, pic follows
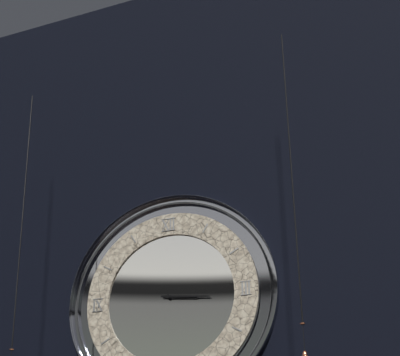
3,16
